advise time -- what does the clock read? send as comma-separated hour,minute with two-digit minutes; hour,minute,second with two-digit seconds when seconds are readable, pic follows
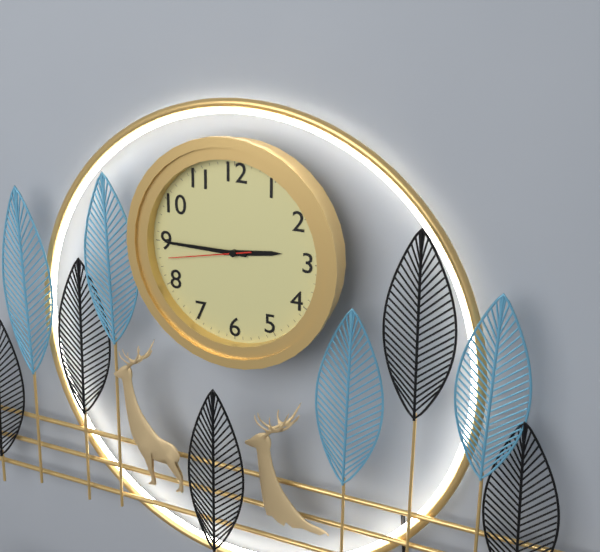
2,45,43
